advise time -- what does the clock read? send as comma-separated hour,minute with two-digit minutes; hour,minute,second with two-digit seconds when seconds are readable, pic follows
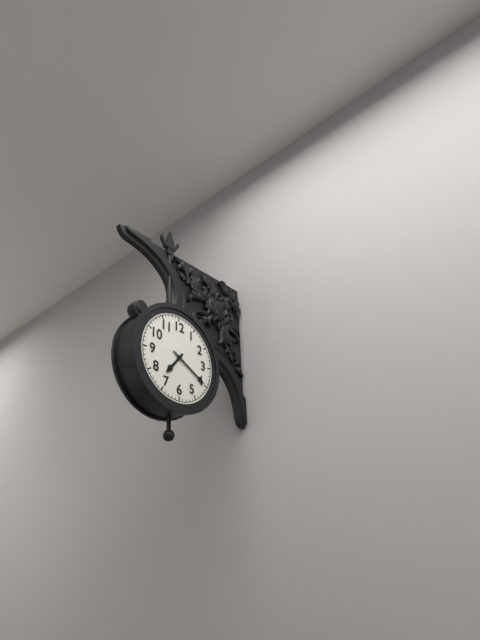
7,20
